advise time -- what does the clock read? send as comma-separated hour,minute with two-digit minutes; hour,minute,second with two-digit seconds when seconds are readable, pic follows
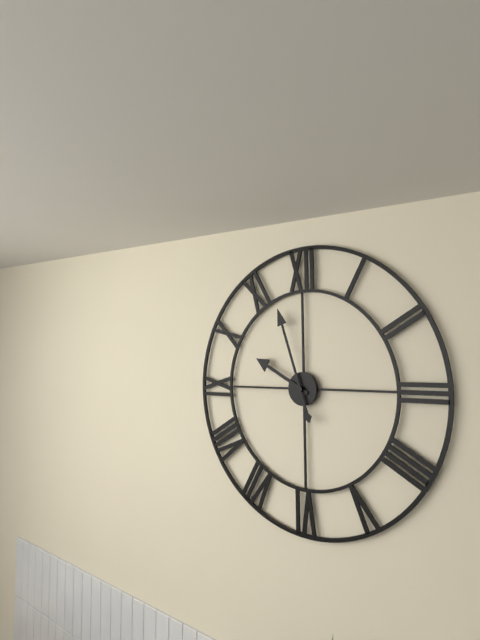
9,57
